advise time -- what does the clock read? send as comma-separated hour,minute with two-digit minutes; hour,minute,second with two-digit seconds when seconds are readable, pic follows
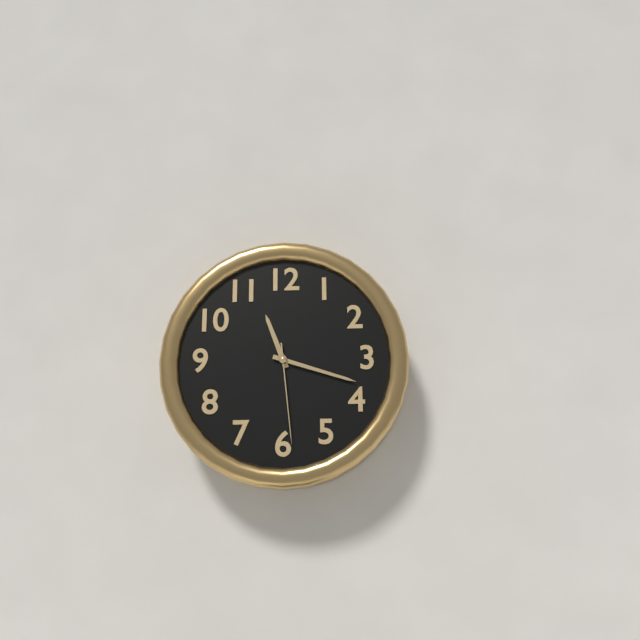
11,18,29
